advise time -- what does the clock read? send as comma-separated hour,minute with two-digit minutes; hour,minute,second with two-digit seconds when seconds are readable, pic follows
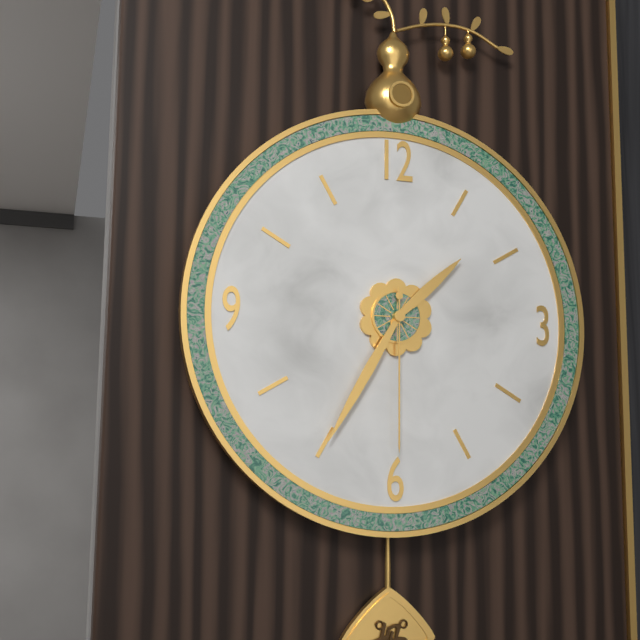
1,35,30
